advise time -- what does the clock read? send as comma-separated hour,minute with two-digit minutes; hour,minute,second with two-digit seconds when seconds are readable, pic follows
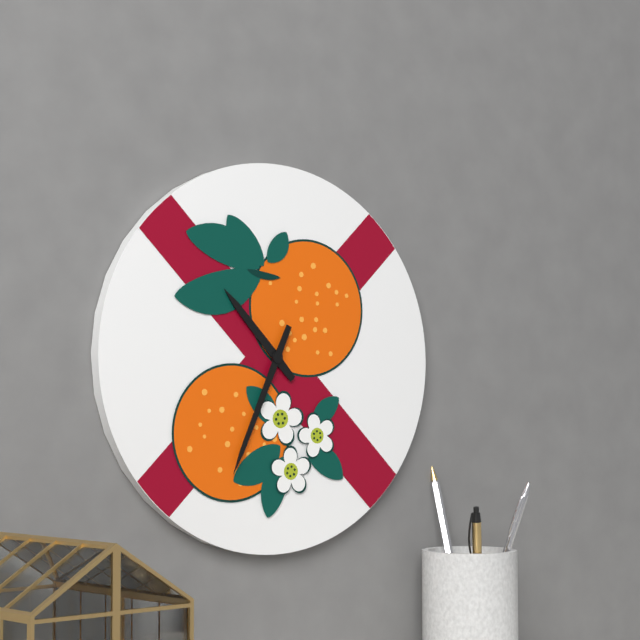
10,34
